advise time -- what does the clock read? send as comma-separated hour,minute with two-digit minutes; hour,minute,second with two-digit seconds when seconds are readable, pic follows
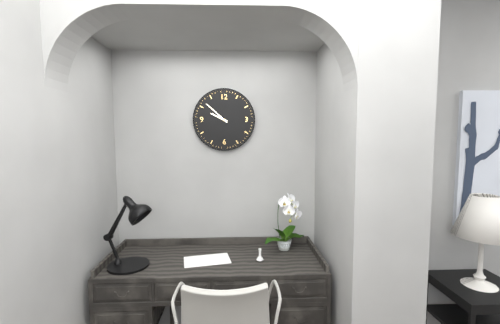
9,52
